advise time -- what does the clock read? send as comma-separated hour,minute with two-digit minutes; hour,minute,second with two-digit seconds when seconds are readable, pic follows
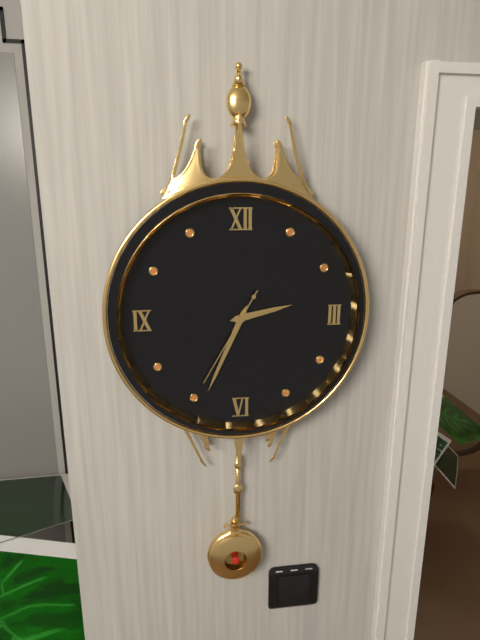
2,34,35
